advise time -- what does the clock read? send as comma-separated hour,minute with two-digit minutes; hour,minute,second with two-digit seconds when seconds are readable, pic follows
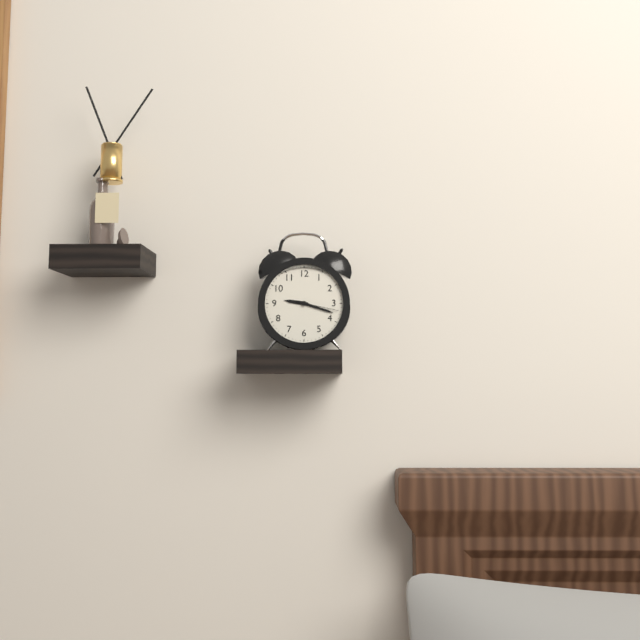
9,18
